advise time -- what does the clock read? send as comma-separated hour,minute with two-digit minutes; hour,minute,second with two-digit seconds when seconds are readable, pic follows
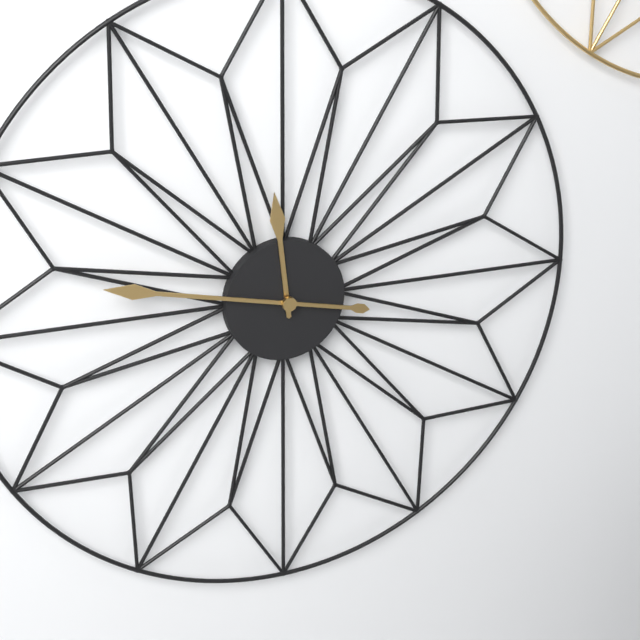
11,47
